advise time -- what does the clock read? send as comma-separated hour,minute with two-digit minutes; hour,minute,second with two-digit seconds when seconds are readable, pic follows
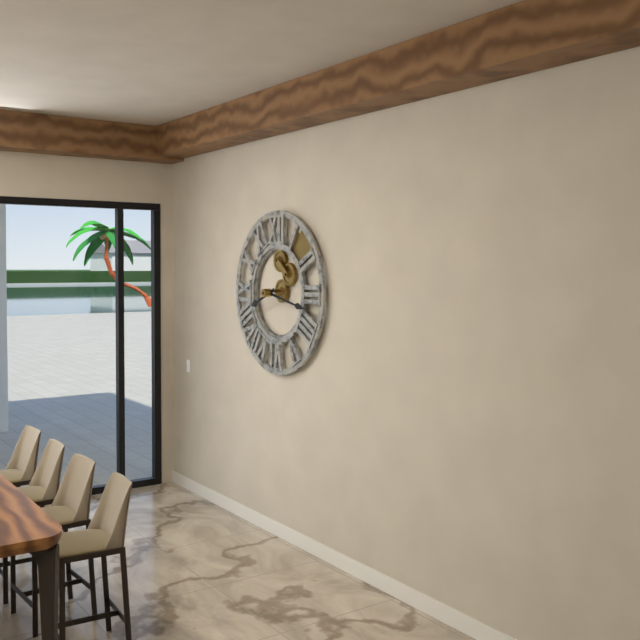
8,17
